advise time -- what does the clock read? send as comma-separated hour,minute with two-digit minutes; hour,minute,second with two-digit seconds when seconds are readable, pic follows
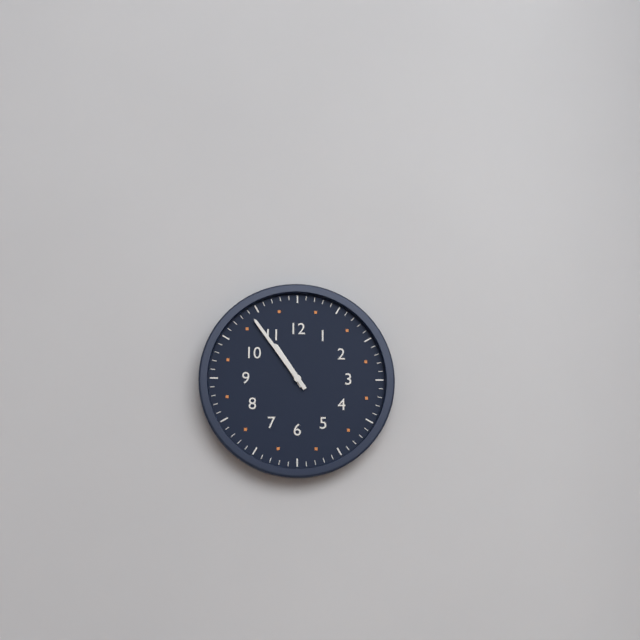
10,54
